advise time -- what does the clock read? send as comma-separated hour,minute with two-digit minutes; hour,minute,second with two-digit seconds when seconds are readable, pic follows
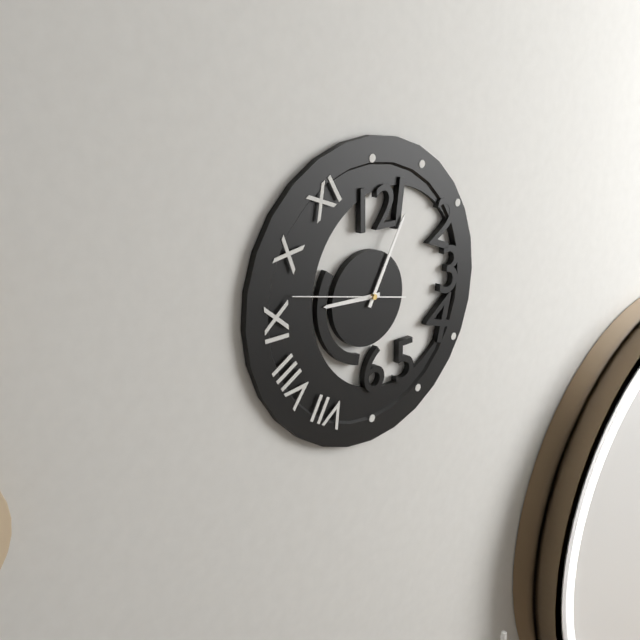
9,05,47
